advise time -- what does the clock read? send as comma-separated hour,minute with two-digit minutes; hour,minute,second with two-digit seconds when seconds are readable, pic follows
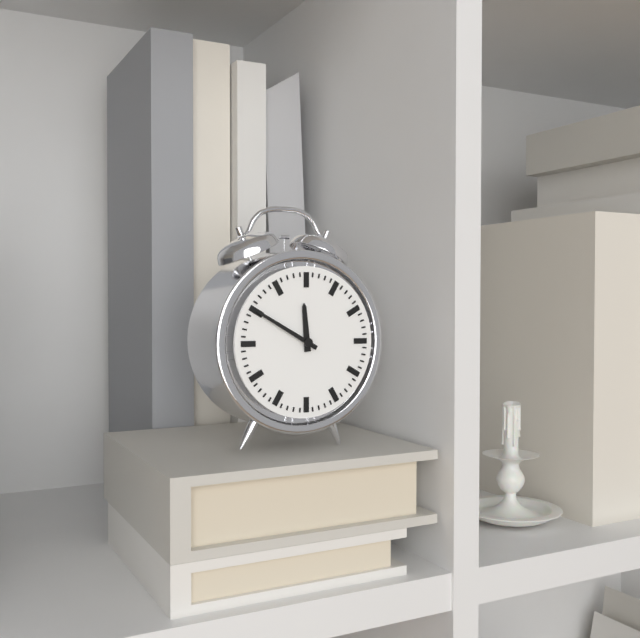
11,50
